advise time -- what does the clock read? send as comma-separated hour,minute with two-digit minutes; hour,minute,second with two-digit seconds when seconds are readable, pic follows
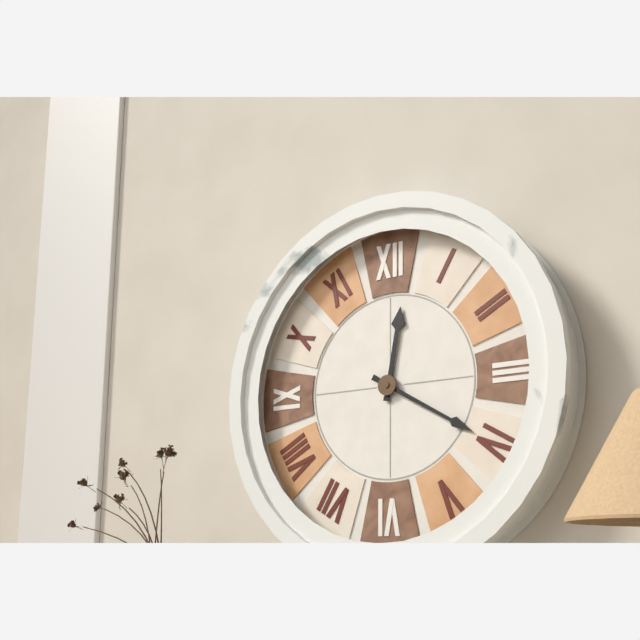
12,20
